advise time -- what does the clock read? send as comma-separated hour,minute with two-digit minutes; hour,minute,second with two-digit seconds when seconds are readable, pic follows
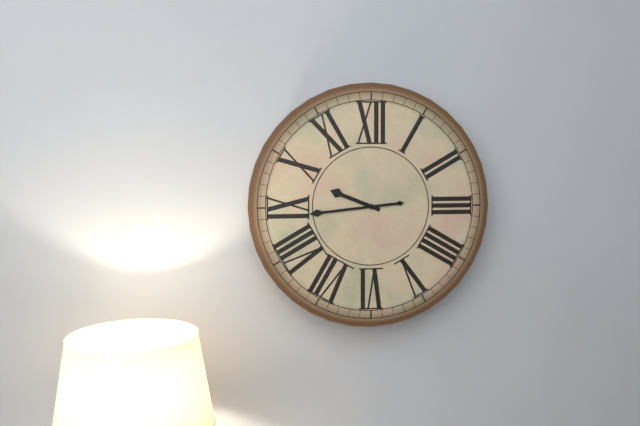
9,44
